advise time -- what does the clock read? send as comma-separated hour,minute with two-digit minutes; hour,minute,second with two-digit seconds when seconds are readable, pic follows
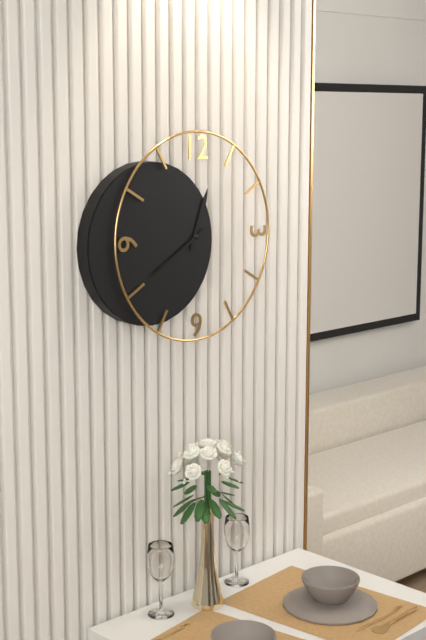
12,40
